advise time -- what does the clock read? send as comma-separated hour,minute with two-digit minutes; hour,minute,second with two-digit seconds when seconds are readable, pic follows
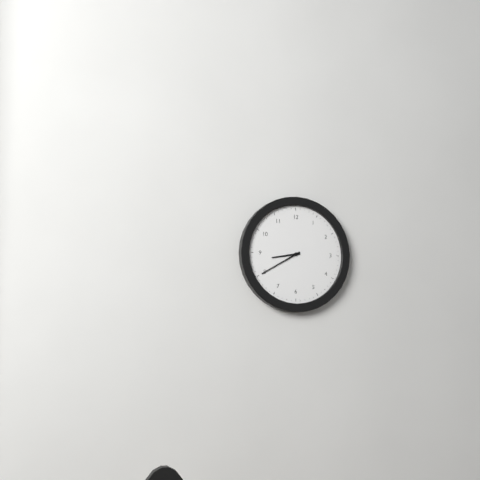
8,40
